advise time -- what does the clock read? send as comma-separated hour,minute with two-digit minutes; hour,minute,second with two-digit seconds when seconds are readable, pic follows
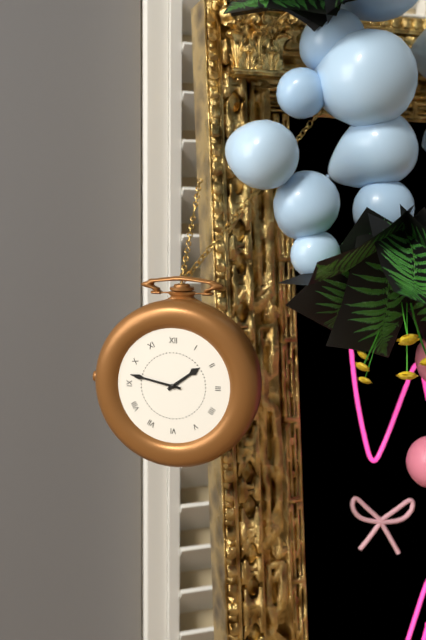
1,47
